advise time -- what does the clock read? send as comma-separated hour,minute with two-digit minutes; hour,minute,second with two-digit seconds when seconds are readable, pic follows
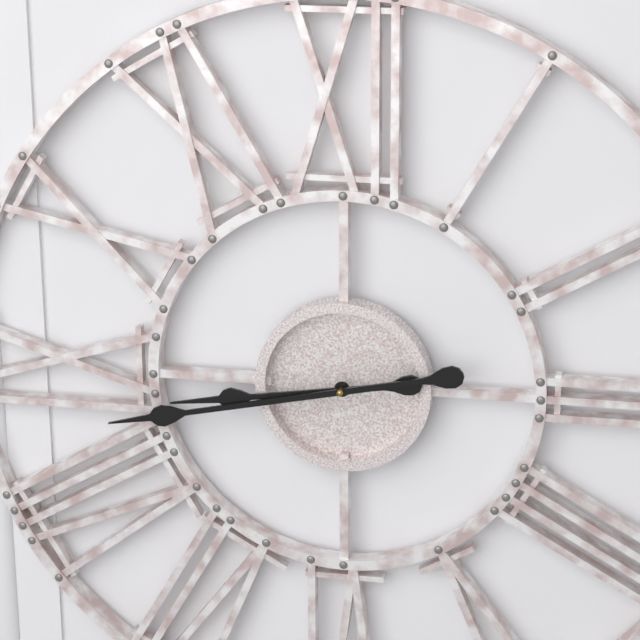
8,43
